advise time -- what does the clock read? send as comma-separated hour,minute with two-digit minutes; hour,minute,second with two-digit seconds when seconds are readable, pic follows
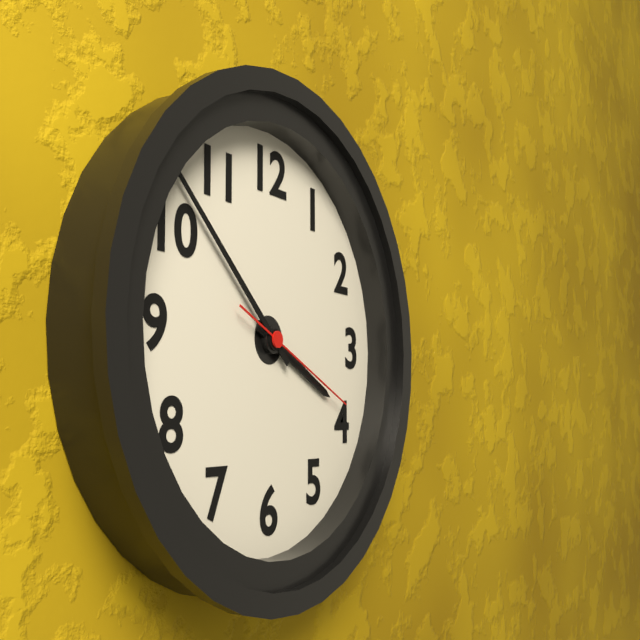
3,52,19
